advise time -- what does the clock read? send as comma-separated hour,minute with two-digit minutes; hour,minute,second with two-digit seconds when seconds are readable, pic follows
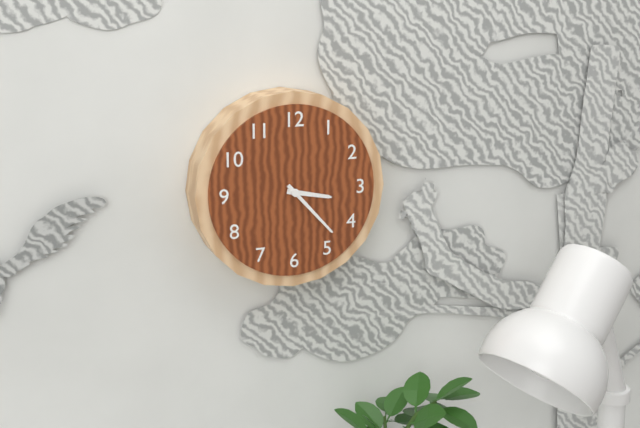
3,23
